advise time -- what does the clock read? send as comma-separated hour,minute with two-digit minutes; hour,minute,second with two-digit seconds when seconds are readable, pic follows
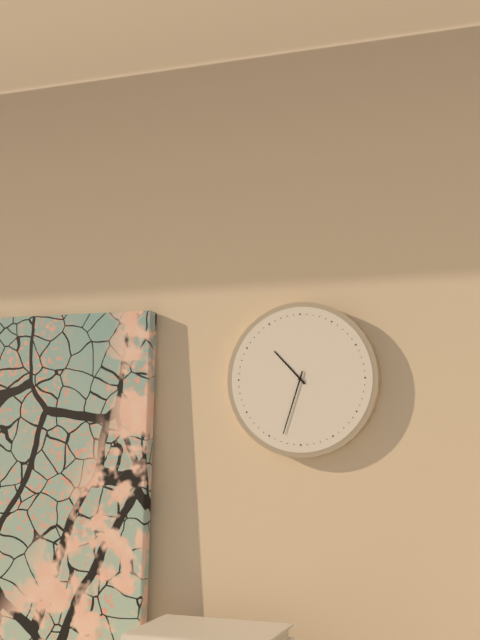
10,33
